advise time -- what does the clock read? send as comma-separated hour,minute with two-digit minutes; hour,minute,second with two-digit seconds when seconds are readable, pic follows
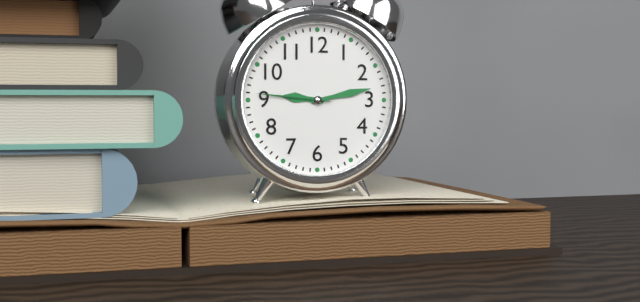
9,13,46
